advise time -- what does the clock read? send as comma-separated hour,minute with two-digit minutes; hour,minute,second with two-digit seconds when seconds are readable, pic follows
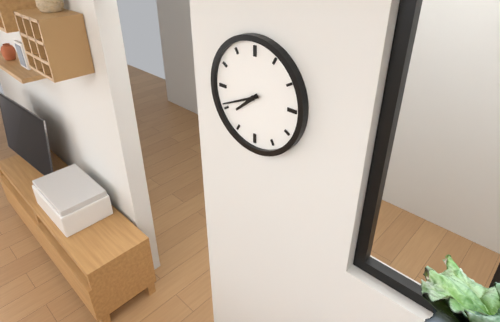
7,41
